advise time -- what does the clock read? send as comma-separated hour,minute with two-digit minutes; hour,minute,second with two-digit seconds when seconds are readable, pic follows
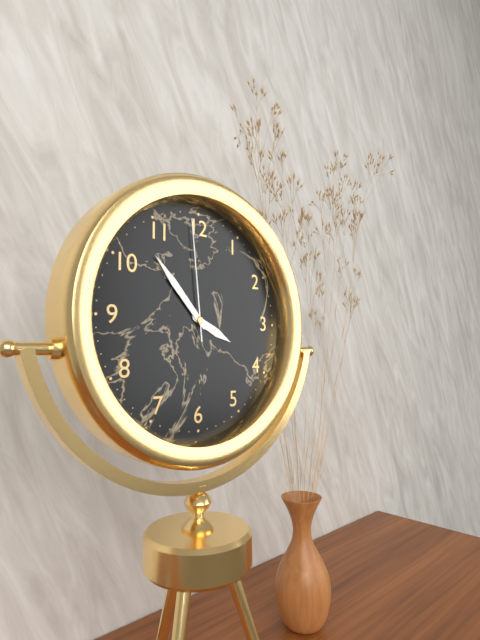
3,53,59
